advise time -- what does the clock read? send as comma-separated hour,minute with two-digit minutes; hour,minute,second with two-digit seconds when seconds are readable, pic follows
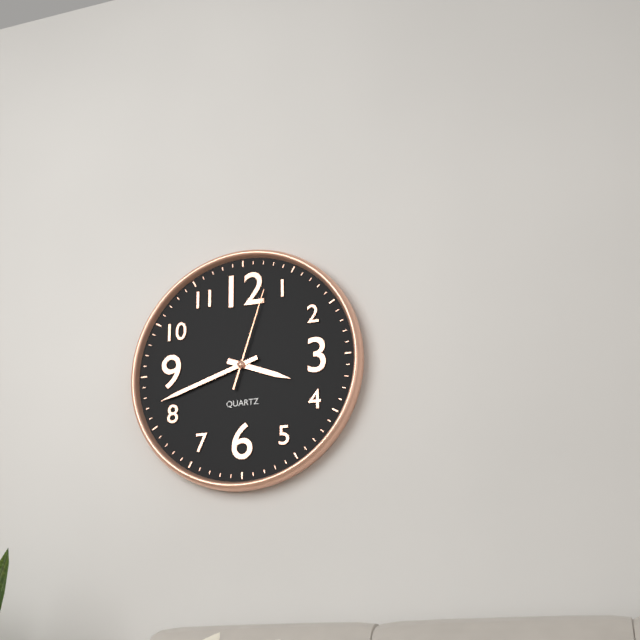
3,42,03
